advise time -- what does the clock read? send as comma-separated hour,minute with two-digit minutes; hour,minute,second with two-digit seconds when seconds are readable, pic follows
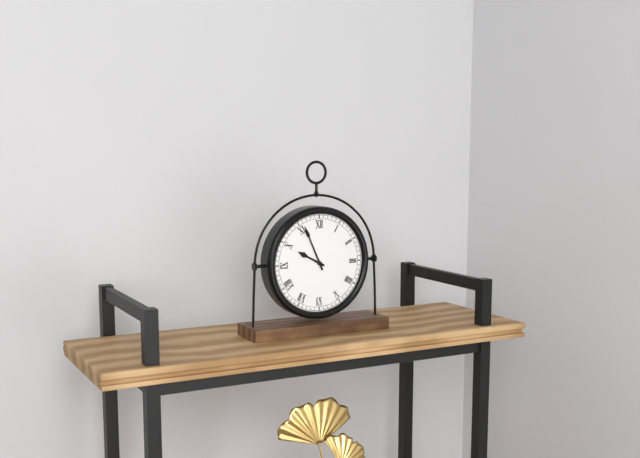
9,56
